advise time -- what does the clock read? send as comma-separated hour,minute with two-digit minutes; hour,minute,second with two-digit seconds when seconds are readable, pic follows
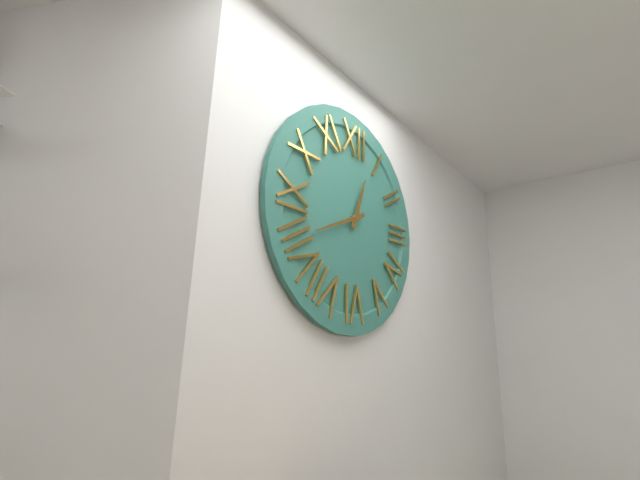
12,41
